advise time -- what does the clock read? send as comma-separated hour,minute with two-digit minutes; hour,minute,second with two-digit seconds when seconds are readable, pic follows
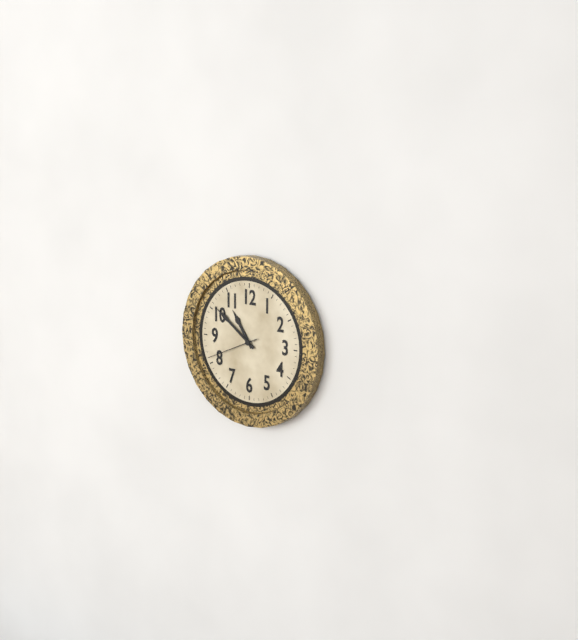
10,51,41
